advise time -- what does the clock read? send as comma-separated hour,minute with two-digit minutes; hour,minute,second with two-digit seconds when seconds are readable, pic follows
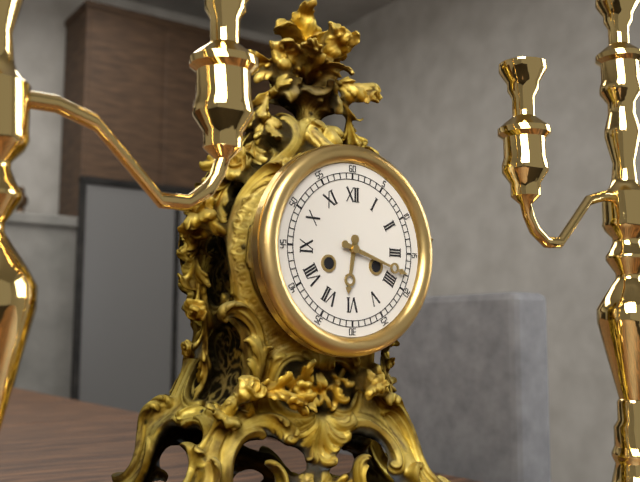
6,18
